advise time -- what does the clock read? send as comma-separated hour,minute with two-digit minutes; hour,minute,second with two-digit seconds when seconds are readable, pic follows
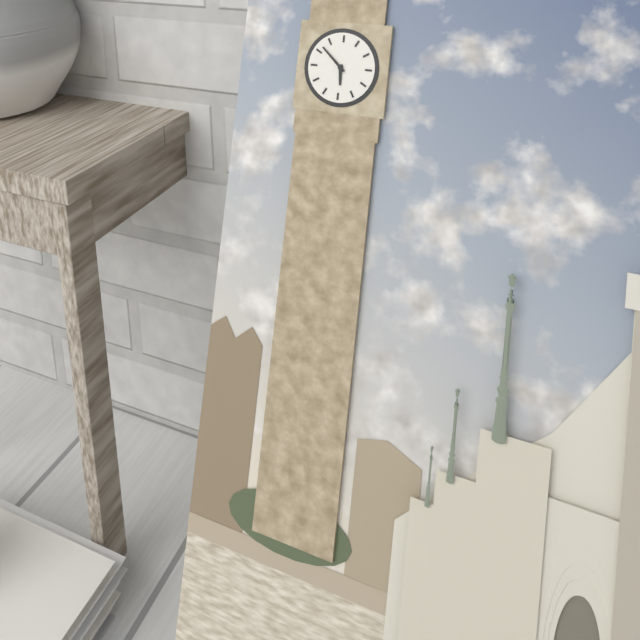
5,52
